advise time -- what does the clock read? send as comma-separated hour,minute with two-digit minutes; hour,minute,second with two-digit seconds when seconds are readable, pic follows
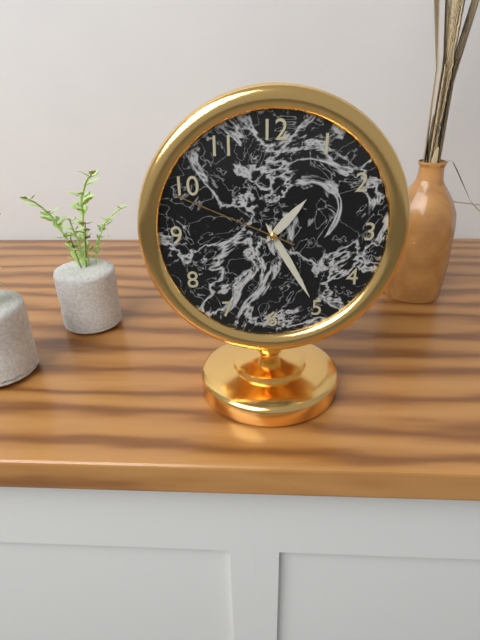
1,25,49
